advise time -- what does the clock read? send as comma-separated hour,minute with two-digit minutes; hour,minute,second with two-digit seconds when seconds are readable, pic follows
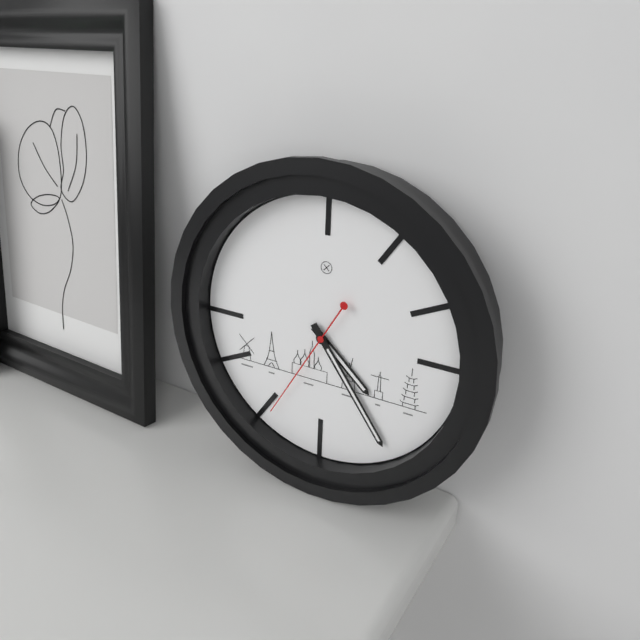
4,24,35
